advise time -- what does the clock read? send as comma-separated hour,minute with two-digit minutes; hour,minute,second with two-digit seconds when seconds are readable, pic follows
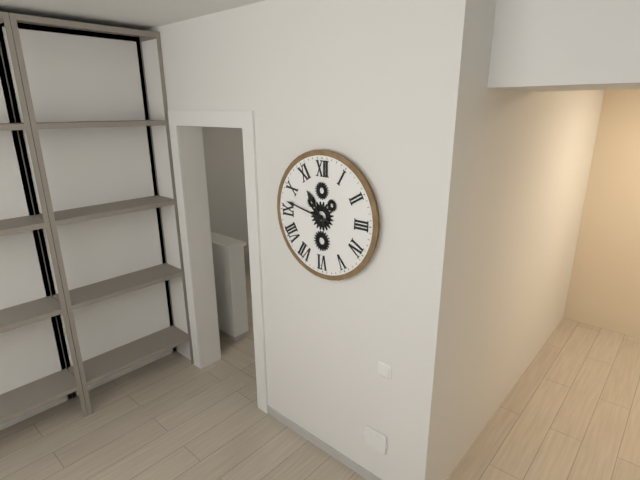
10,47
